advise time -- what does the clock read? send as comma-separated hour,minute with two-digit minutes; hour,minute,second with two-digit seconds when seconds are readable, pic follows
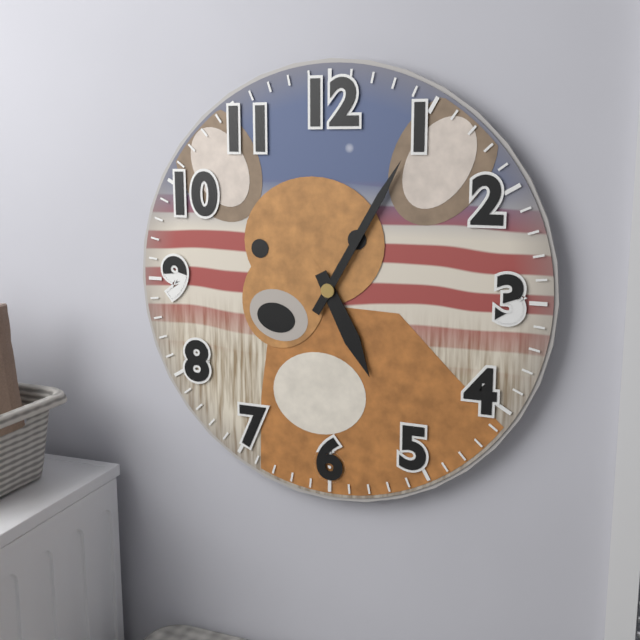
5,05
